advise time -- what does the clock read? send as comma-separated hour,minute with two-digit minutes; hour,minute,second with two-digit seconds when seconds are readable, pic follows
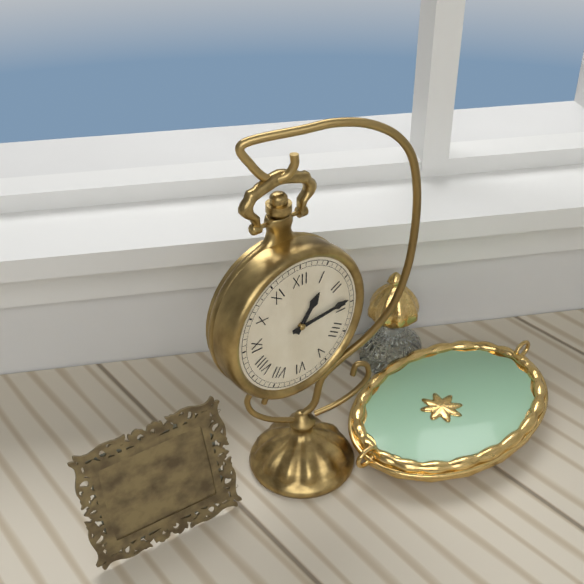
1,14
